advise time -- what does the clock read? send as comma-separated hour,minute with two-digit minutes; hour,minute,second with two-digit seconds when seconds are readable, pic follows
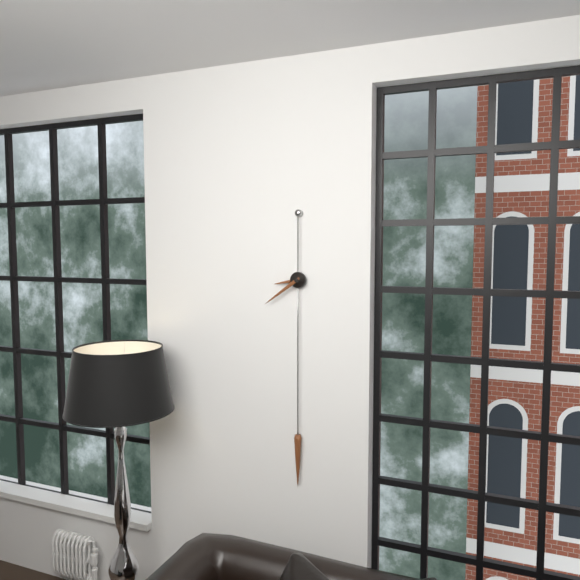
8,39
